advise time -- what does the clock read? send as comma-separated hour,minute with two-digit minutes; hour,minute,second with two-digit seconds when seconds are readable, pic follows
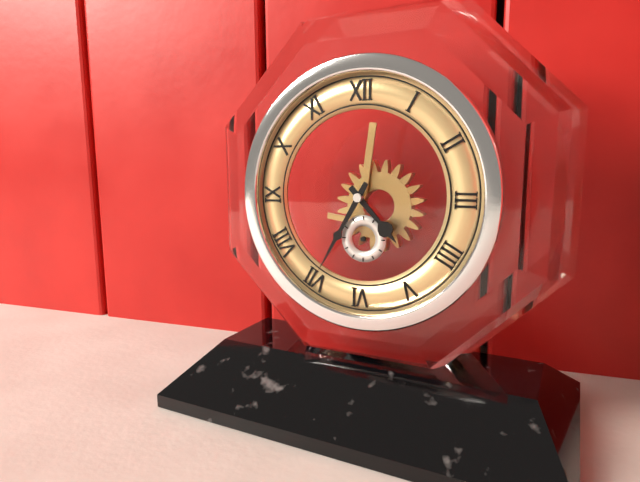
4,35
